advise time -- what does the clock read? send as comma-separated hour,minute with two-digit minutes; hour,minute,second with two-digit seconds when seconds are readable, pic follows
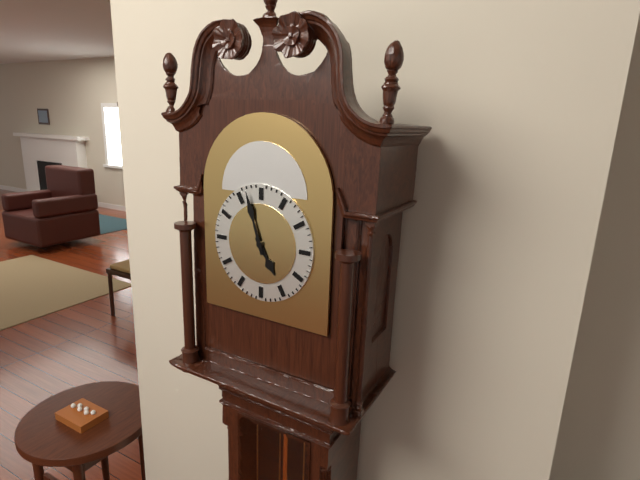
4,57
